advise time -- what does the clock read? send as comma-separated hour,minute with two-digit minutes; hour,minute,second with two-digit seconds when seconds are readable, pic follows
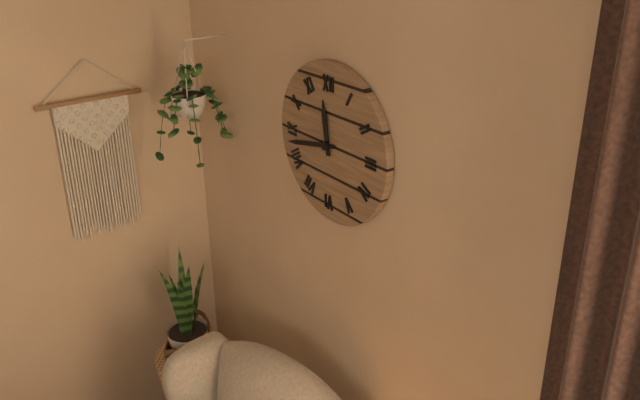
11,43
